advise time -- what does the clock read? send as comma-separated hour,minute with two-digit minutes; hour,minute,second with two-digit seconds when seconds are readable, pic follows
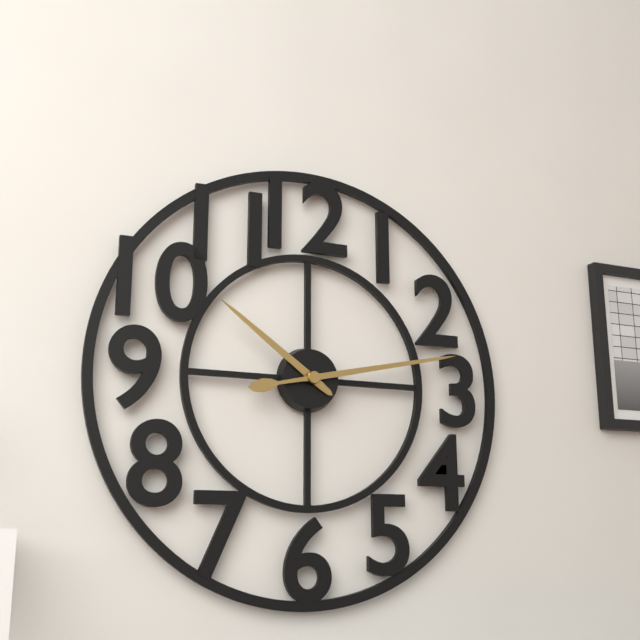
10,13
